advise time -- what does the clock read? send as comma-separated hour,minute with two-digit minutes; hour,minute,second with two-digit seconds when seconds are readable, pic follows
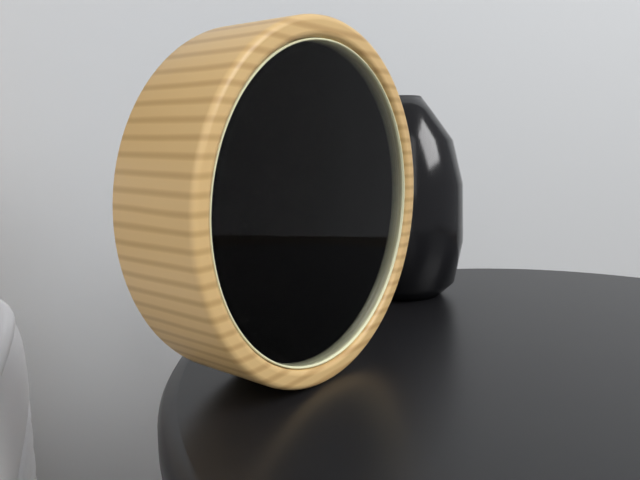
4,52,49
